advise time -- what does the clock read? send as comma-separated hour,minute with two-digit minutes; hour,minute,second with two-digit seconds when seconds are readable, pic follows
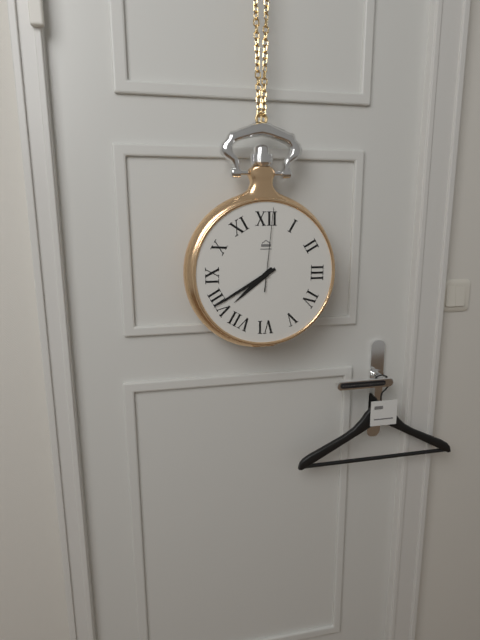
7,40,01
